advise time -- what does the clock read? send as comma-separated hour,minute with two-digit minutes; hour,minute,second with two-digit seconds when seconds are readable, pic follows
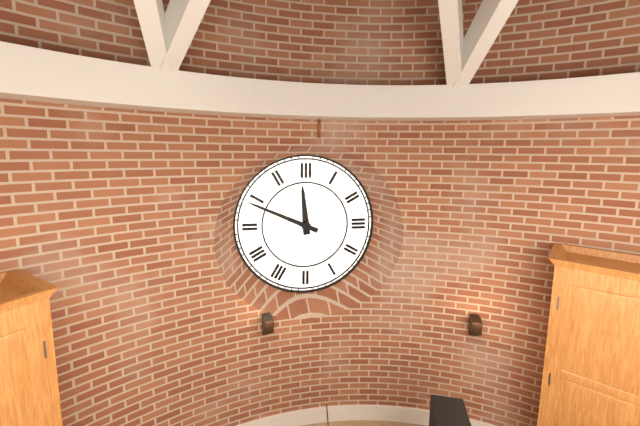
11,49
